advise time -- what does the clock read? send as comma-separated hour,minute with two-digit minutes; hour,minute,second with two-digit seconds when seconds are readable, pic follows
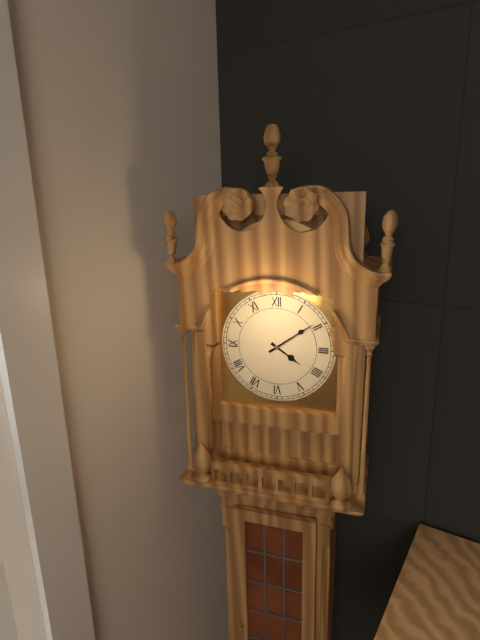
4,09
